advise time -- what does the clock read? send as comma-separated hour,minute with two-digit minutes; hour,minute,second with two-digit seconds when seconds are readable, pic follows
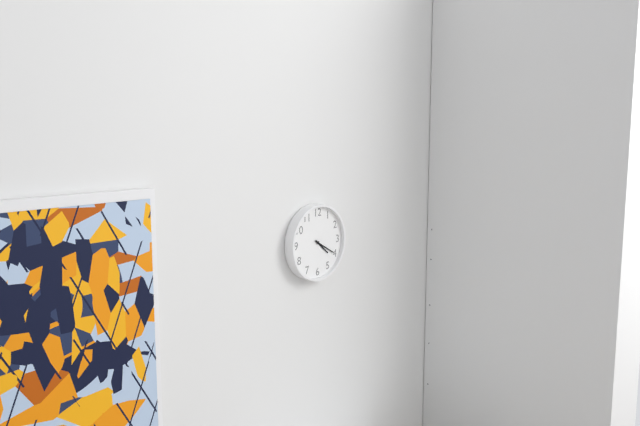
4,20
